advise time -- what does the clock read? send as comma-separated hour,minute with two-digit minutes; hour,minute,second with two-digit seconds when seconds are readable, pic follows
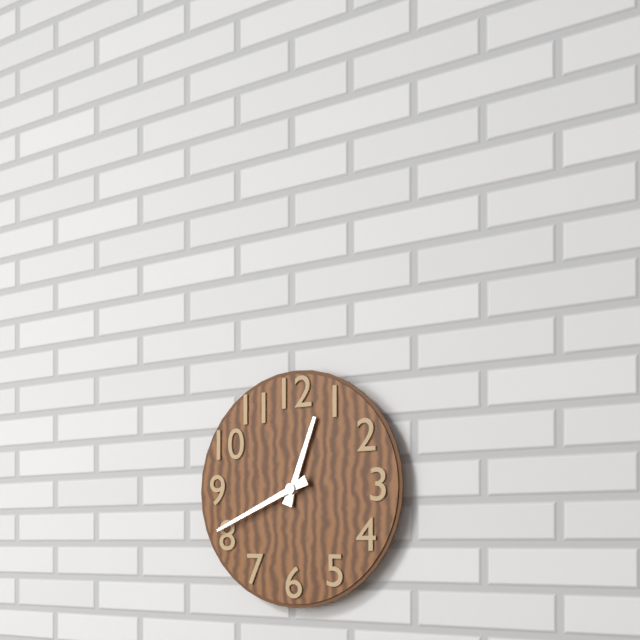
12,41
